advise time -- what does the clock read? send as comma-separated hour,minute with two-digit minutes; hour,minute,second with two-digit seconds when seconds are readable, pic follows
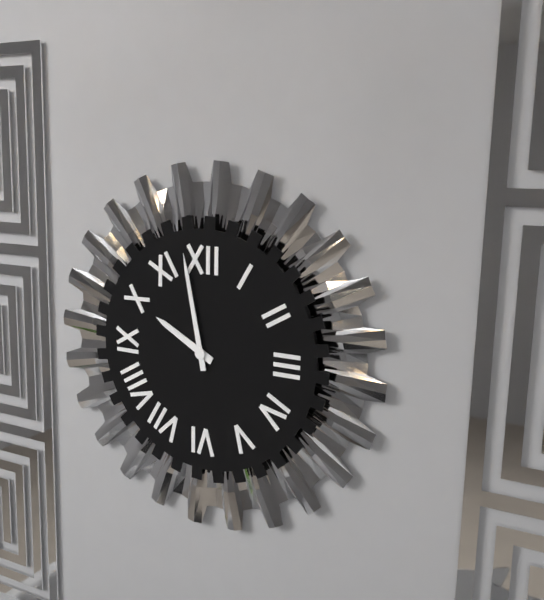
9,58
